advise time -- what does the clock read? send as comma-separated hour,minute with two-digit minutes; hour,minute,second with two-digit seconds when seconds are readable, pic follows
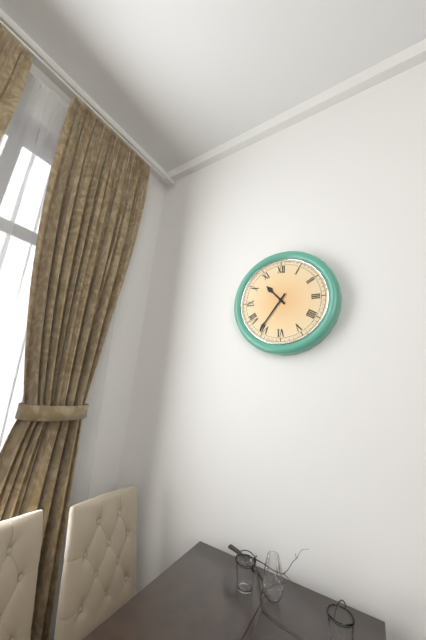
10,36
